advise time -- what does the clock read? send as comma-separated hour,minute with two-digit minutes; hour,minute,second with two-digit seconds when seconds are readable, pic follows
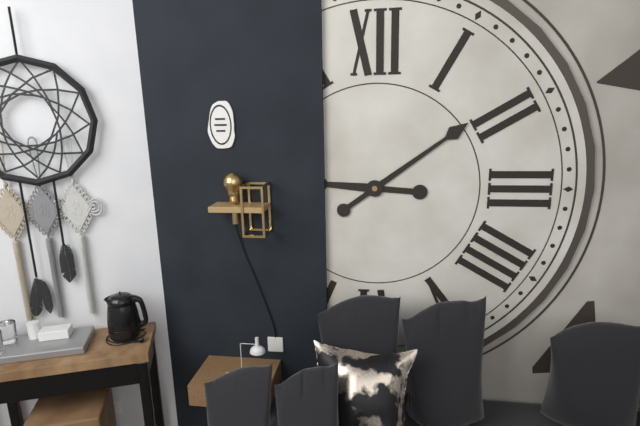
9,09
